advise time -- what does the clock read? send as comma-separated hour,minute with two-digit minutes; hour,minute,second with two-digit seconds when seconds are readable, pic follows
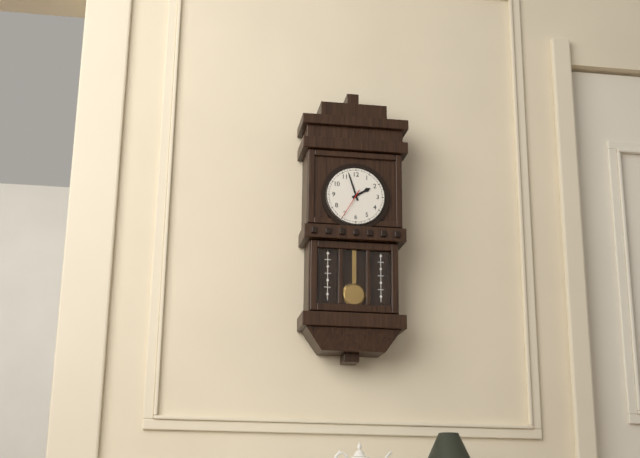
1,57
